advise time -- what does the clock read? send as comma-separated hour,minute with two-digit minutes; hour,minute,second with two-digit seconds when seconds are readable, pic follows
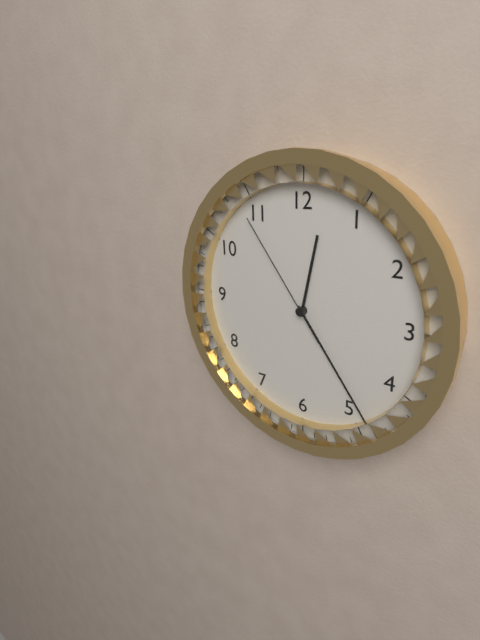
12,24,54
